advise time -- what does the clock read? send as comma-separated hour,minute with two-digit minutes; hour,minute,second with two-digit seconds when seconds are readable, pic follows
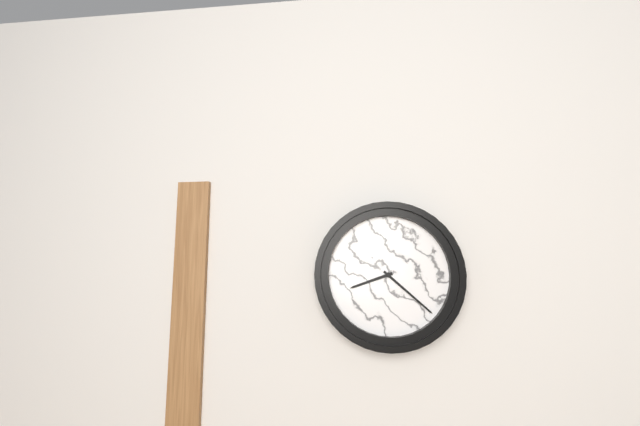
8,22
